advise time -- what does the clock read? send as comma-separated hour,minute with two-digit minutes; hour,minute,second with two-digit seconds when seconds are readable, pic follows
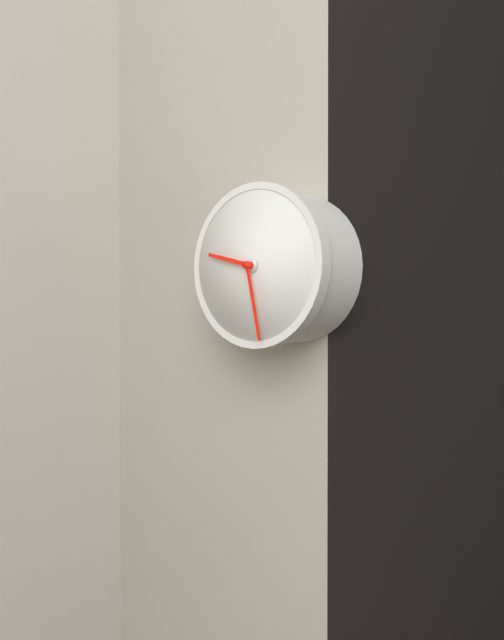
9,28
